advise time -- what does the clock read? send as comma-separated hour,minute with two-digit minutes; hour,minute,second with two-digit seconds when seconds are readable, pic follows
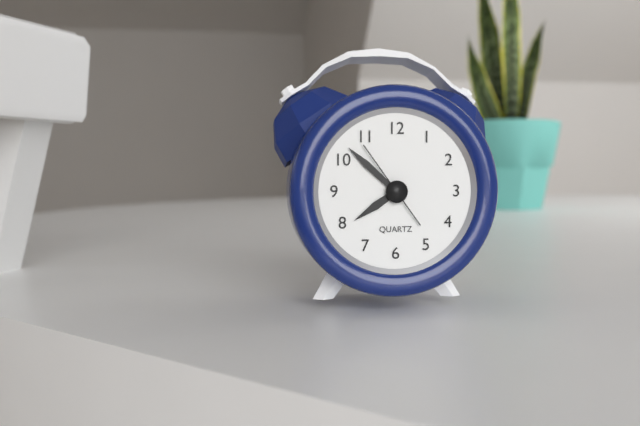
7,52,54
